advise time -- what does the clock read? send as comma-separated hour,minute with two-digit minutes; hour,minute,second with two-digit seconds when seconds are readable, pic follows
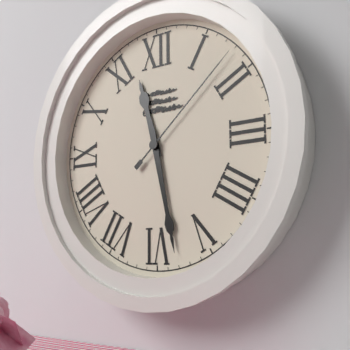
11,28,08
